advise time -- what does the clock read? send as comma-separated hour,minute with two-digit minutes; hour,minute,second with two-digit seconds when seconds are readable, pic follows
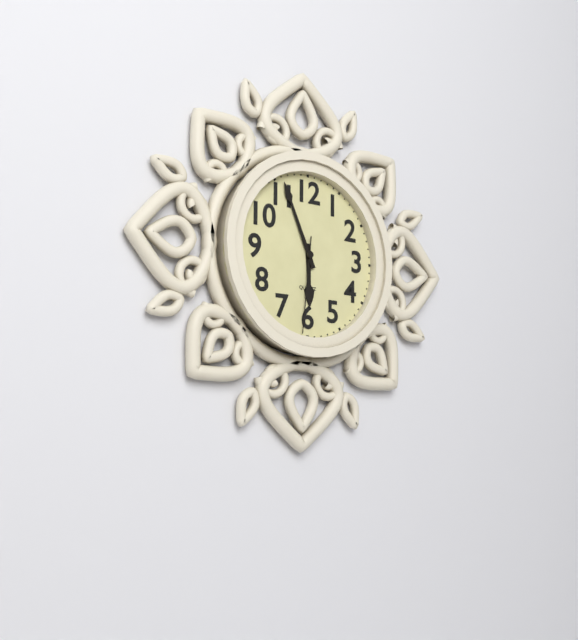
5,56,31
